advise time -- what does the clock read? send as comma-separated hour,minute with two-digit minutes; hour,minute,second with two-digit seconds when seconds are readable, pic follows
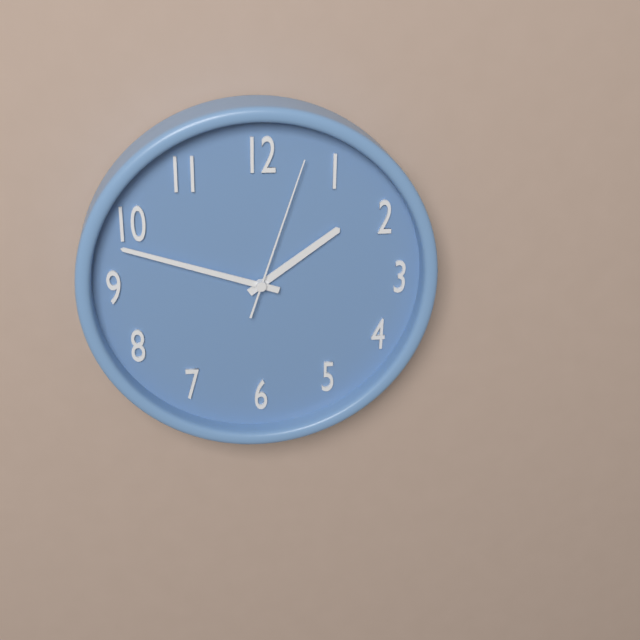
1,48,03
